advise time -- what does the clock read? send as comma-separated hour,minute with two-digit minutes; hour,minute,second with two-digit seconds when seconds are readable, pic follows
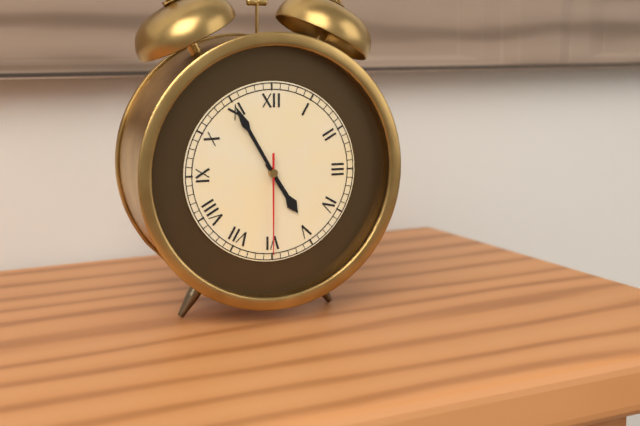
4,55,30
